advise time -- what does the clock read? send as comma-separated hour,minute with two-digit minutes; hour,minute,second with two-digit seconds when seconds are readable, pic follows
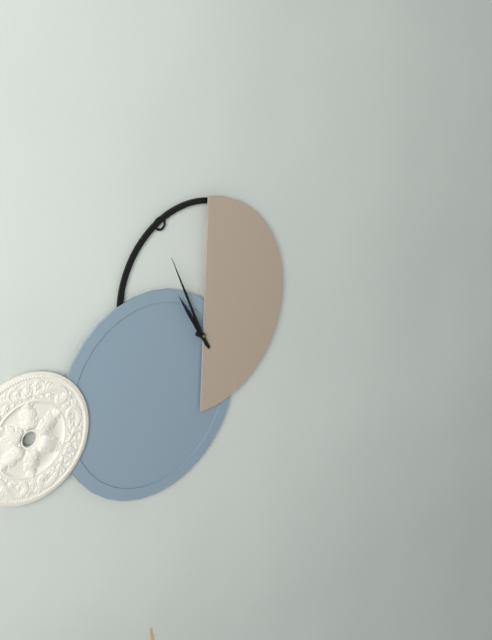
10,56
